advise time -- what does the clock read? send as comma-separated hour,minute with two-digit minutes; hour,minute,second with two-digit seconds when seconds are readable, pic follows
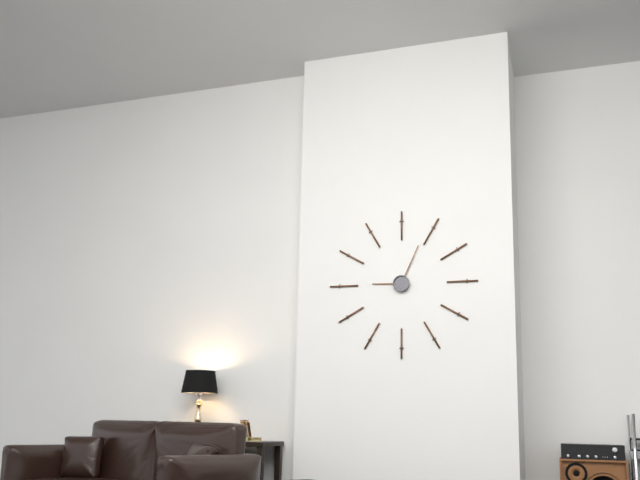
9,04
